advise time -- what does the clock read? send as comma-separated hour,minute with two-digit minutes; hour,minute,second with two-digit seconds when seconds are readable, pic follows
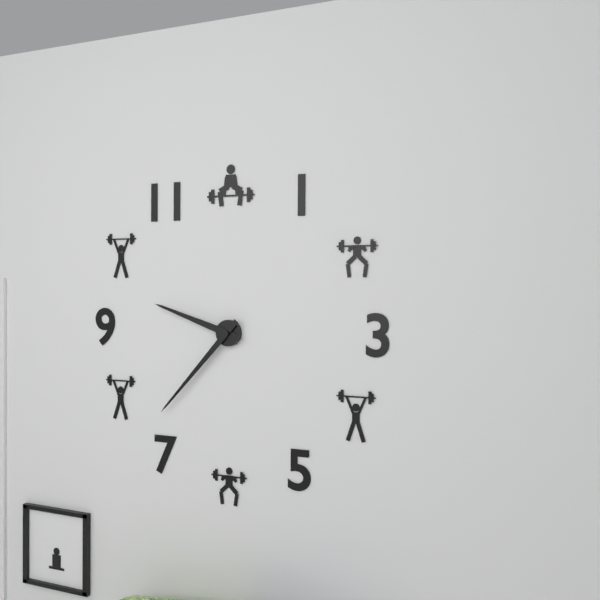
9,37
